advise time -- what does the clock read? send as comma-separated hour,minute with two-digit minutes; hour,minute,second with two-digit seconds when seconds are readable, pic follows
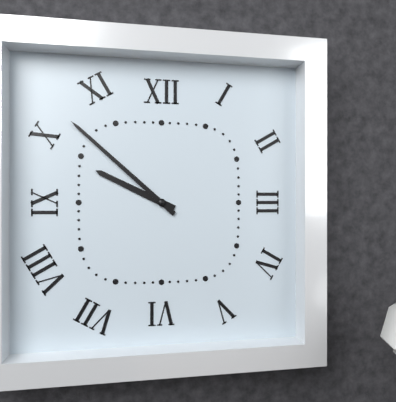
9,52
